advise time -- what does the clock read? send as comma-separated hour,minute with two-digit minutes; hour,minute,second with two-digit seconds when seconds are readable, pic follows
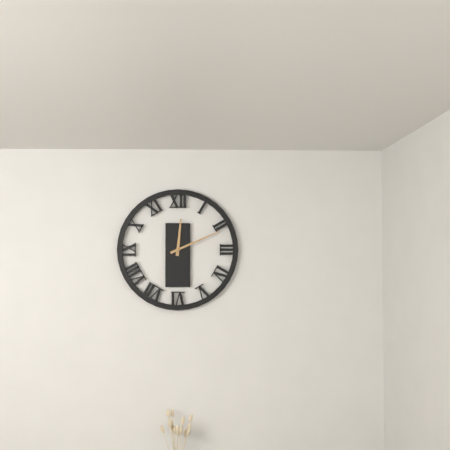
12,11
